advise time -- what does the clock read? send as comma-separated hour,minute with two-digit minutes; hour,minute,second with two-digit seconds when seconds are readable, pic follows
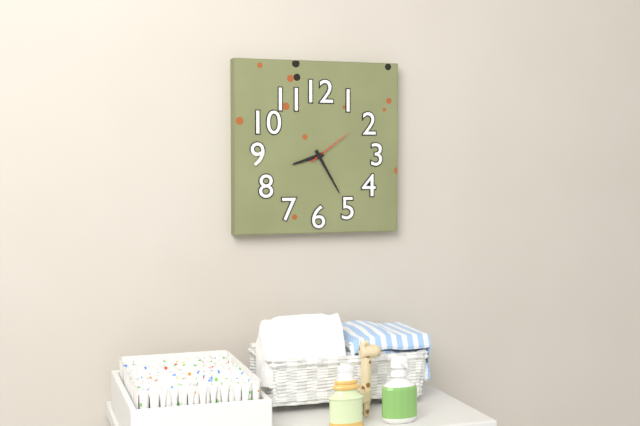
8,25
